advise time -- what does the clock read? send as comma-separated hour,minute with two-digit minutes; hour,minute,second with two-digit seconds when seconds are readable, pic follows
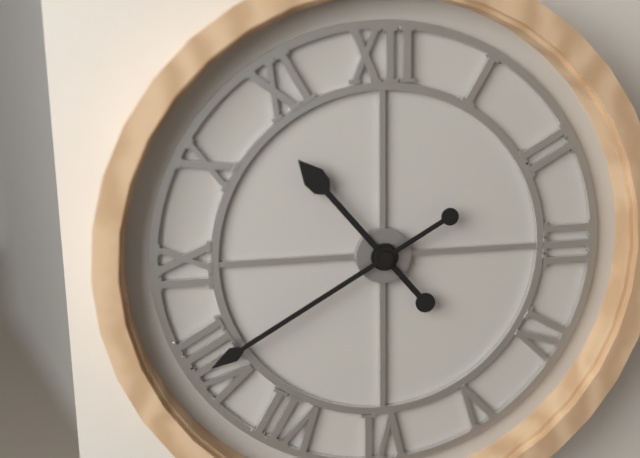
10,40
